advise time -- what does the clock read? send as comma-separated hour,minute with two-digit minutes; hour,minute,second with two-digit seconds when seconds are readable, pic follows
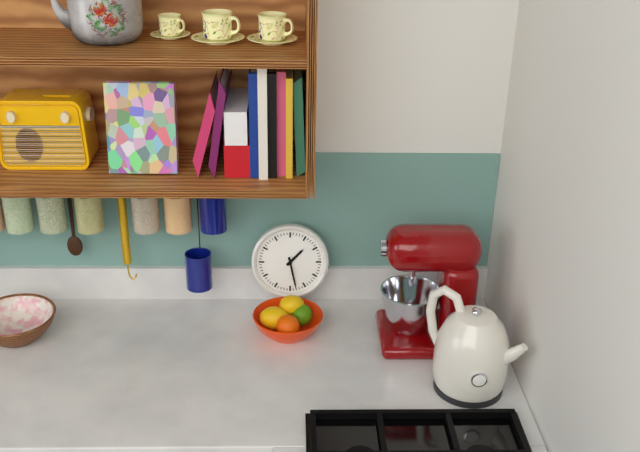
1,28
